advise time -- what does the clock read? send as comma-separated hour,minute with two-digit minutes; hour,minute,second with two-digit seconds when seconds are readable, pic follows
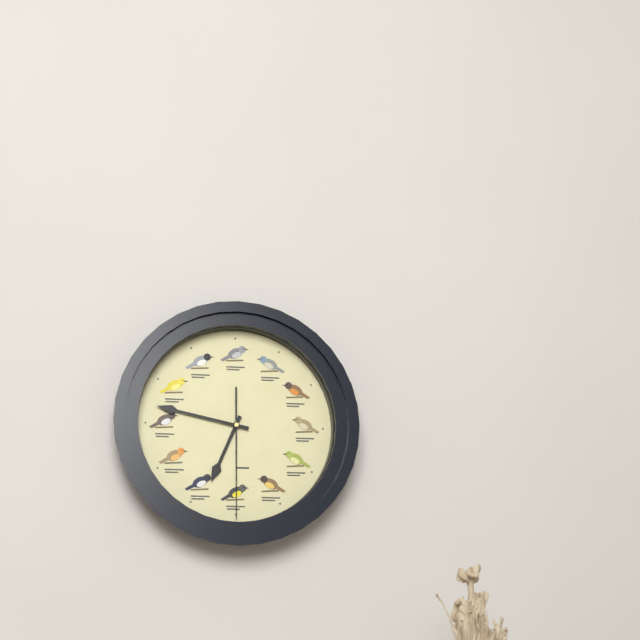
6,47,30
